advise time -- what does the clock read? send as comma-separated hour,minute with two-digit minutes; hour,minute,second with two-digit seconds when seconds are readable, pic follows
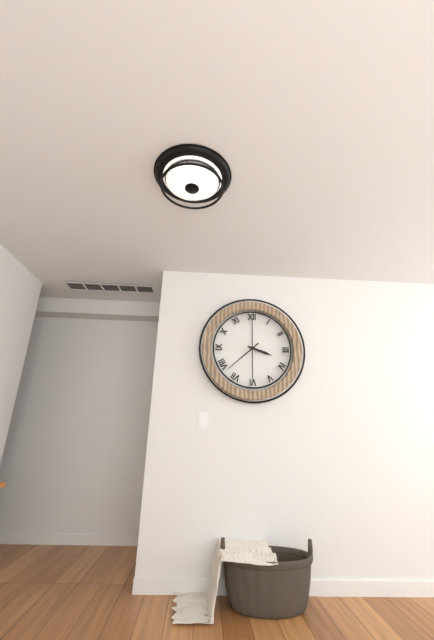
3,38
